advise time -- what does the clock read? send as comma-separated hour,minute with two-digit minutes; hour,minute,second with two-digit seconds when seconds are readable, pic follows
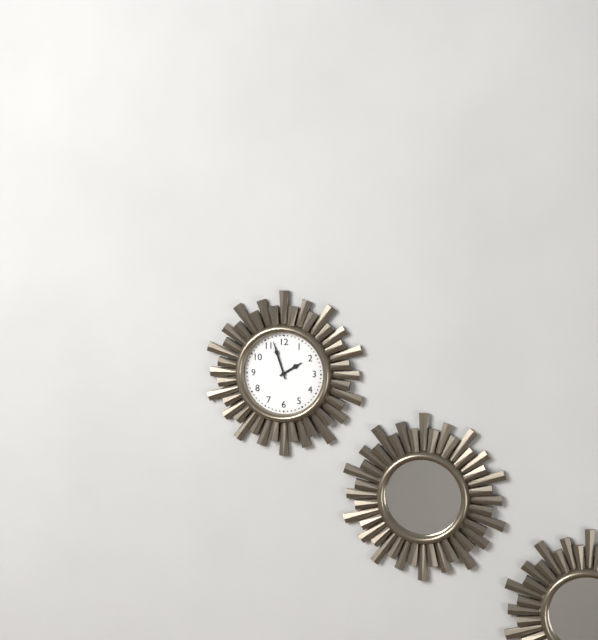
1,57
